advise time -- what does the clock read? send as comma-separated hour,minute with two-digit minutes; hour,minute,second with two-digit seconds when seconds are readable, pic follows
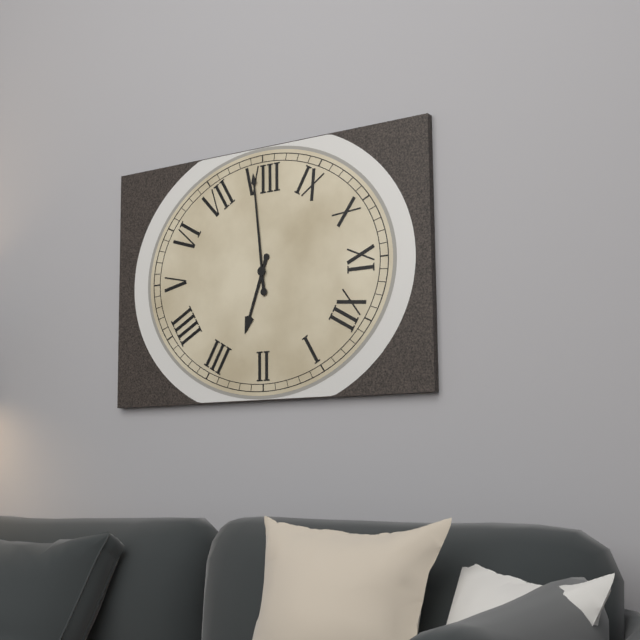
2,39
